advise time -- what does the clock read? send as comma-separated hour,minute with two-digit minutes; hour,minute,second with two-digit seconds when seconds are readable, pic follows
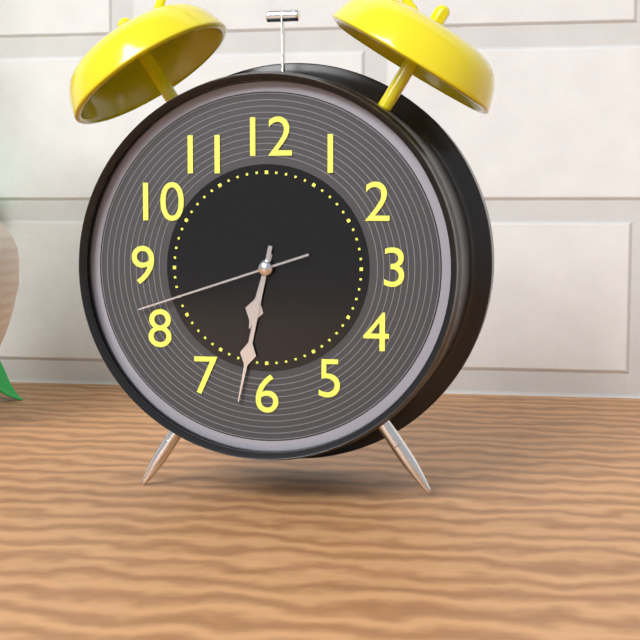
6,32,42
